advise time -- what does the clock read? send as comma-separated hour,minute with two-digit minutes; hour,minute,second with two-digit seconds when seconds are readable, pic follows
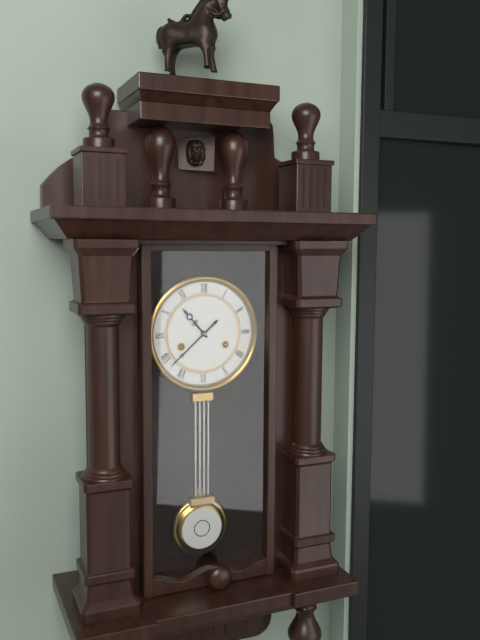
10,38
